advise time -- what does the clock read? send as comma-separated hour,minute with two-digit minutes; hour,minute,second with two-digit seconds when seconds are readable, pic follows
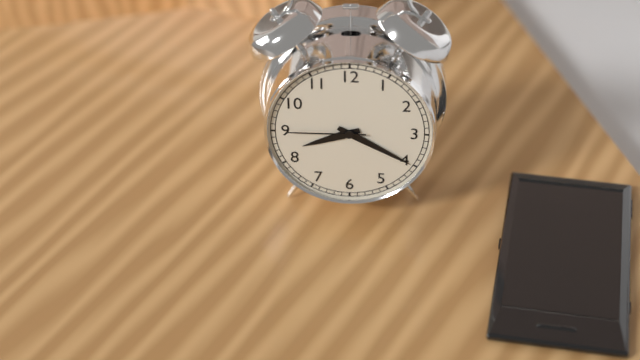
8,20,45
